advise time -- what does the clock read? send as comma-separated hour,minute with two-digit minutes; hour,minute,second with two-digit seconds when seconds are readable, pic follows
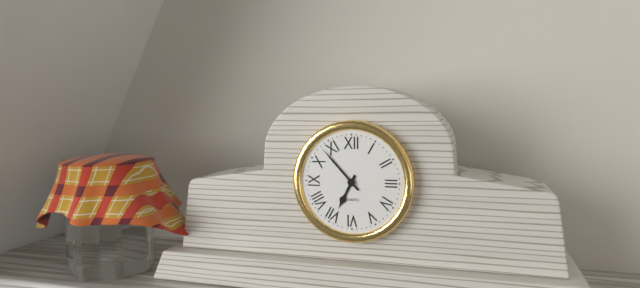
6,53
